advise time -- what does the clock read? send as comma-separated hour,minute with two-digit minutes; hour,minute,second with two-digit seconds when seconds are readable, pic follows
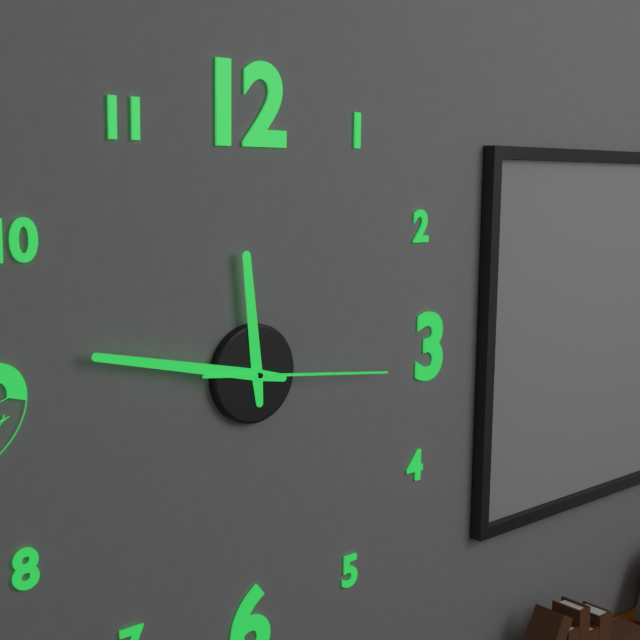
11,47,16
